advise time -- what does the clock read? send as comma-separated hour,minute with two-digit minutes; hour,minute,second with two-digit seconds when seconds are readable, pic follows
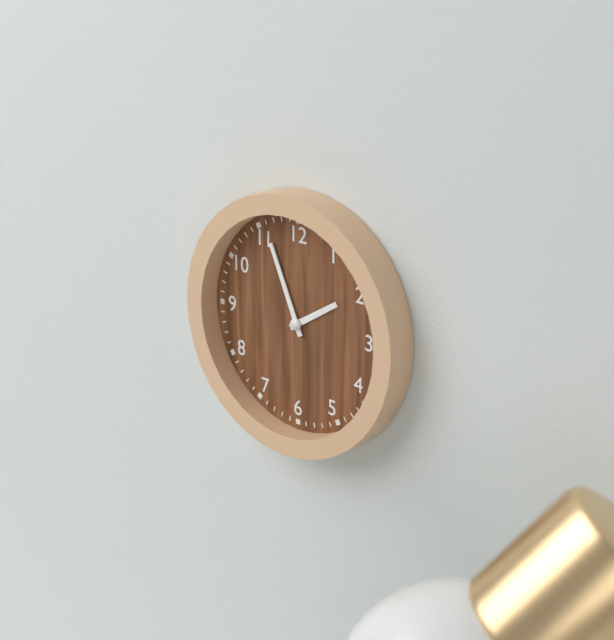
1,56
